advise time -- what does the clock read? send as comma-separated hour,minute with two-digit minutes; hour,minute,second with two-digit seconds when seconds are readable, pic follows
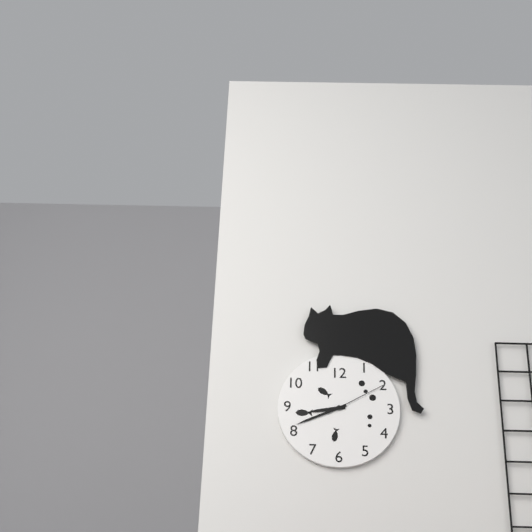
8,41,10
